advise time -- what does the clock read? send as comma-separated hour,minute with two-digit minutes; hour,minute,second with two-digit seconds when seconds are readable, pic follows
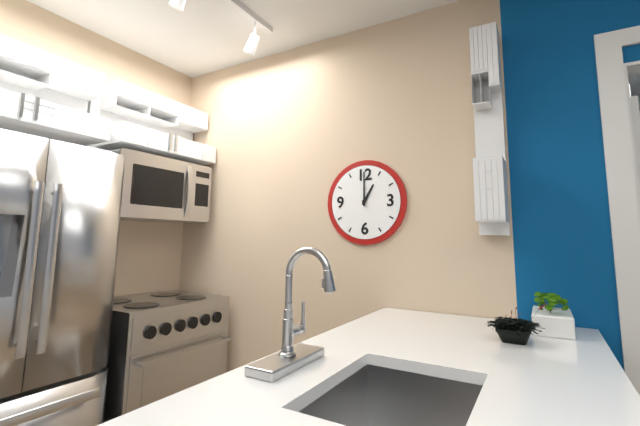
1,00
